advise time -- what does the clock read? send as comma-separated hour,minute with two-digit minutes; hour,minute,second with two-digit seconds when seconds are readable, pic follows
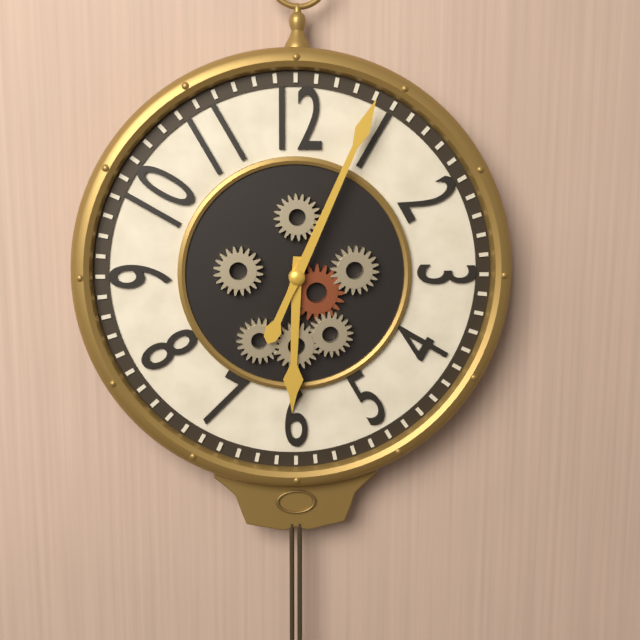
6,04
